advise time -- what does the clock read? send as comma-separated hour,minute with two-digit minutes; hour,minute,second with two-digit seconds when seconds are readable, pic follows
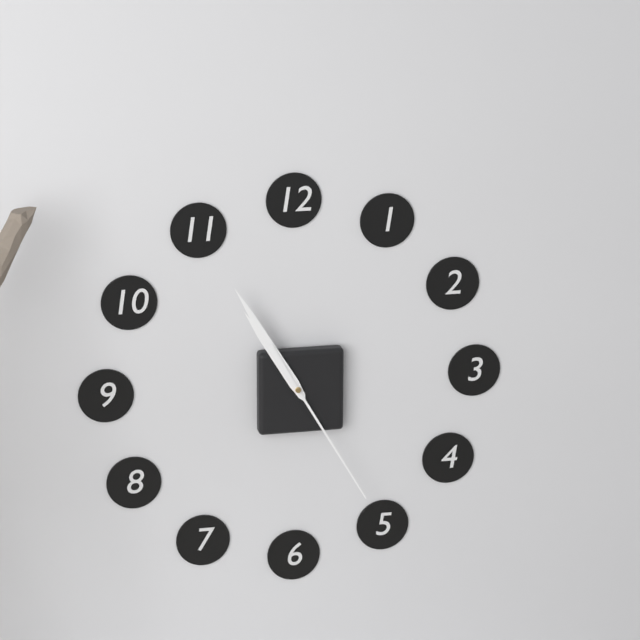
10,55,25
